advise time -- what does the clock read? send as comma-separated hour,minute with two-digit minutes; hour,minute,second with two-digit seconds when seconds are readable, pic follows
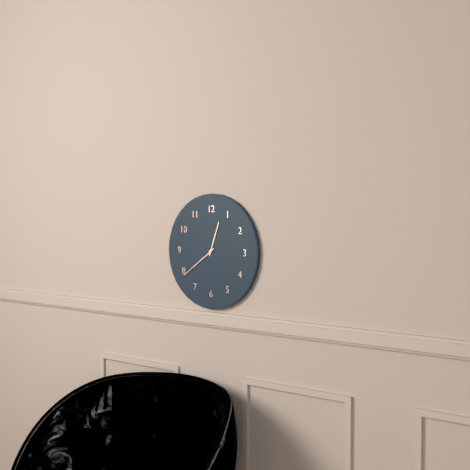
12,39
